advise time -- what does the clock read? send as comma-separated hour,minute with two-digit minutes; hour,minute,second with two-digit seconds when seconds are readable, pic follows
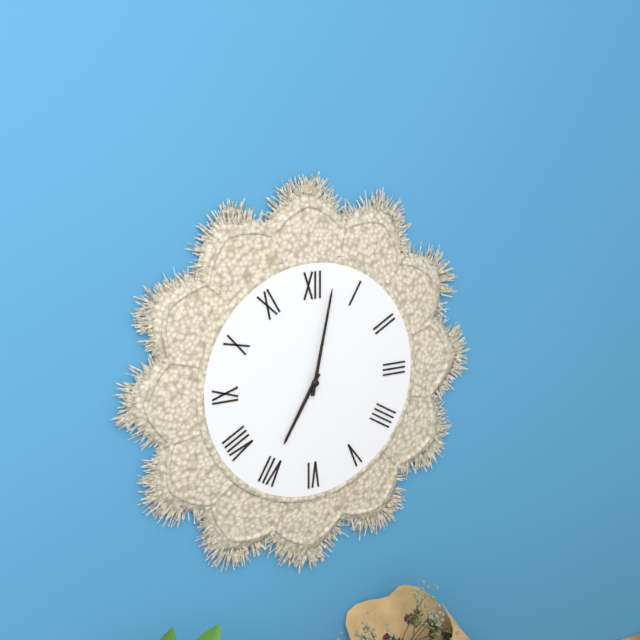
7,02
